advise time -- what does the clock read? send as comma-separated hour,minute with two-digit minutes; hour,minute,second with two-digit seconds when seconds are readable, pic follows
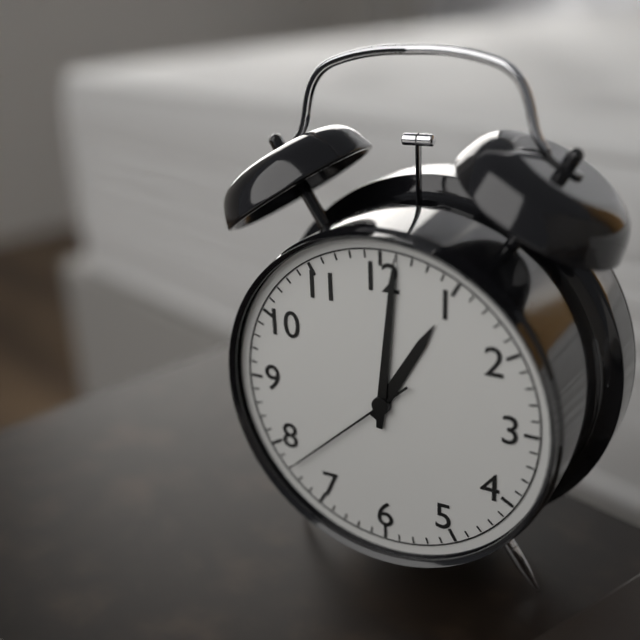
1,01,38
